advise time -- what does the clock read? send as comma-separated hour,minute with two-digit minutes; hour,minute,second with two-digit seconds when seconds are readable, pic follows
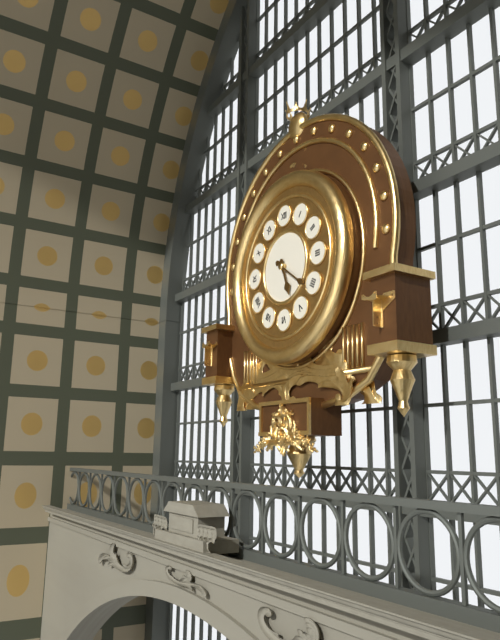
5,21
